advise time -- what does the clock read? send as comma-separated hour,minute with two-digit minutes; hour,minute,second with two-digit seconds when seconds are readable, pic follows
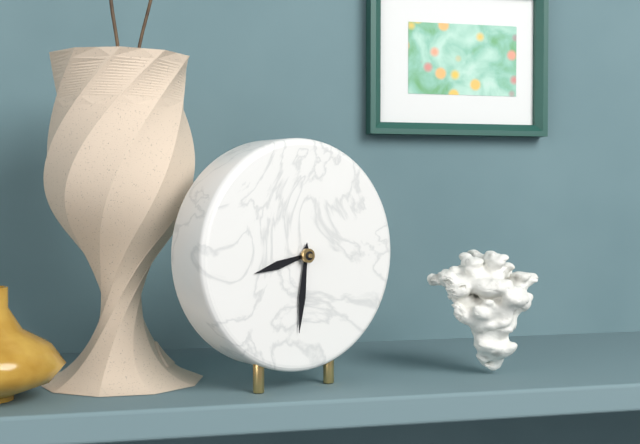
8,31
